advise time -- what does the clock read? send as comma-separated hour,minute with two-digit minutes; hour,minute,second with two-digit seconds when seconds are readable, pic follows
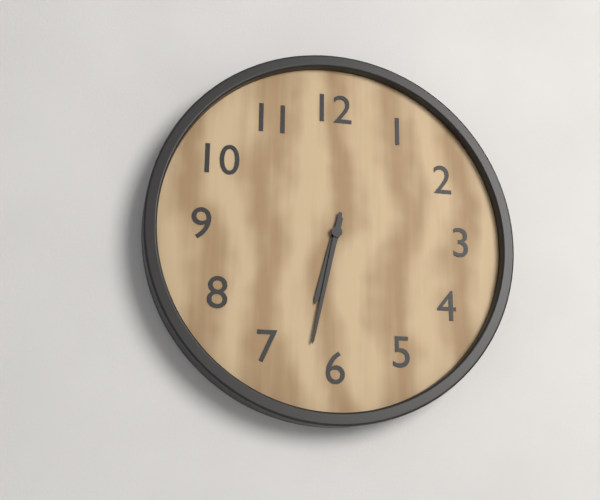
6,32
